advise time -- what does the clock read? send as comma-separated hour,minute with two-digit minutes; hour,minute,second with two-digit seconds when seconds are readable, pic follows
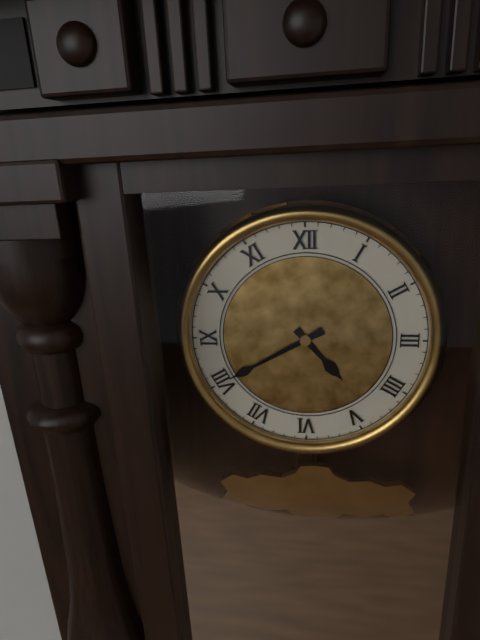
4,40
